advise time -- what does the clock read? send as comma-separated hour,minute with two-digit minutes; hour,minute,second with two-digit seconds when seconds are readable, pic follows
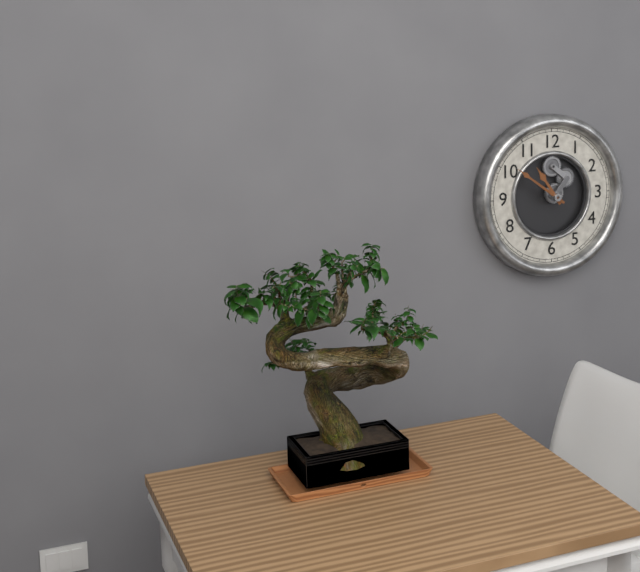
10,51
